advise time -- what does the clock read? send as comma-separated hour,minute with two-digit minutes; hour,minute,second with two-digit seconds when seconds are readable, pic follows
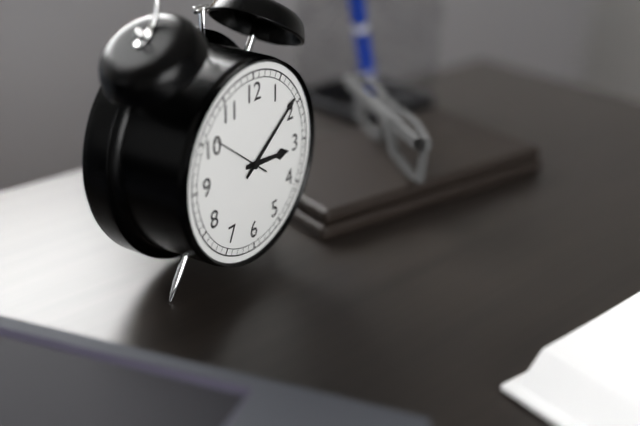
3,09,51
